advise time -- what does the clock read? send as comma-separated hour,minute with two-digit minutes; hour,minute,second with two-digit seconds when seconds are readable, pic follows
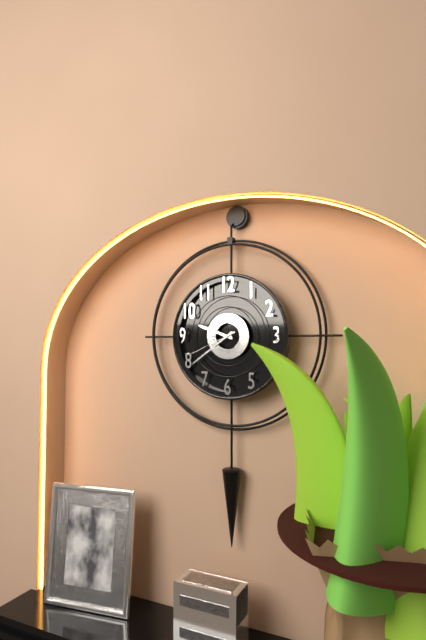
9,39,41
